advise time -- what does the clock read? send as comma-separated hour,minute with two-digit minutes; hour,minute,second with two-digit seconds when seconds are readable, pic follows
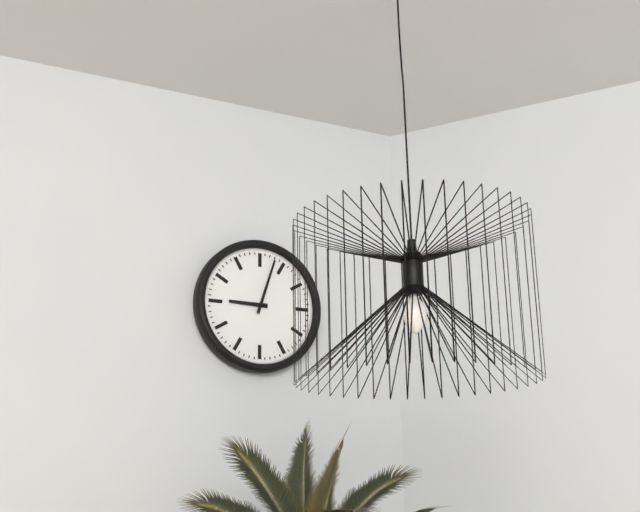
9,03
